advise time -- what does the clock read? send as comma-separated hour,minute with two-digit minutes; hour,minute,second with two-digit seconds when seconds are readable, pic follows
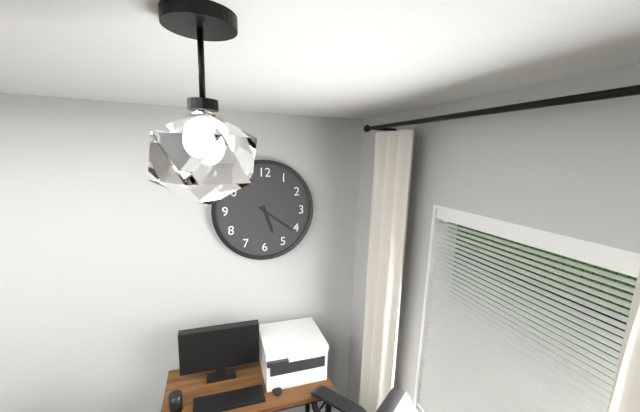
5,21
